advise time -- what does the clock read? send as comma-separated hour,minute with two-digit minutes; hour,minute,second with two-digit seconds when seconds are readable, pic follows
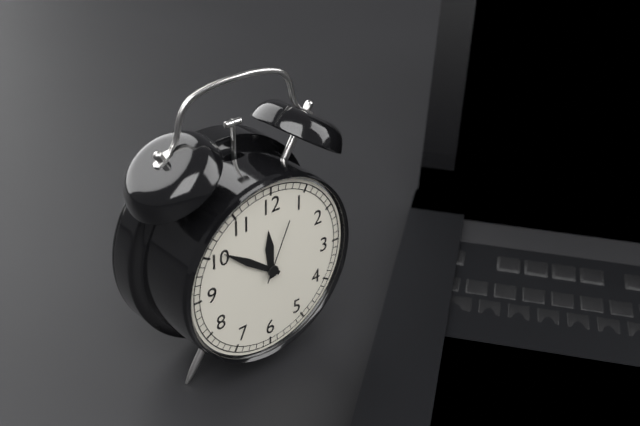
11,51,04
